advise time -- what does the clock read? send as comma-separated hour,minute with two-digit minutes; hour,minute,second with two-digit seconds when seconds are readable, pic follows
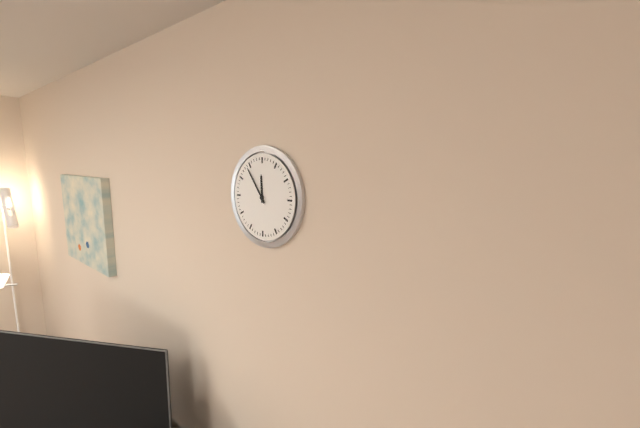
11,54
